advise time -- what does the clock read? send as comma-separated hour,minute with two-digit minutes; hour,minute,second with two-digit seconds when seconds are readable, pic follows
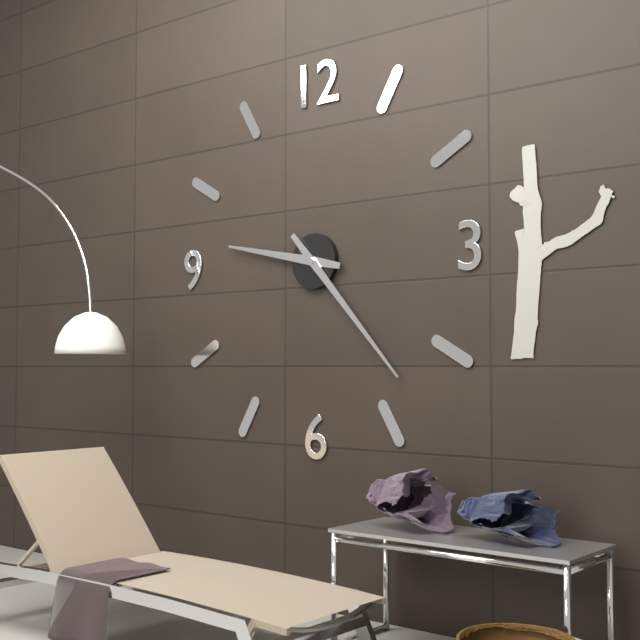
9,23
